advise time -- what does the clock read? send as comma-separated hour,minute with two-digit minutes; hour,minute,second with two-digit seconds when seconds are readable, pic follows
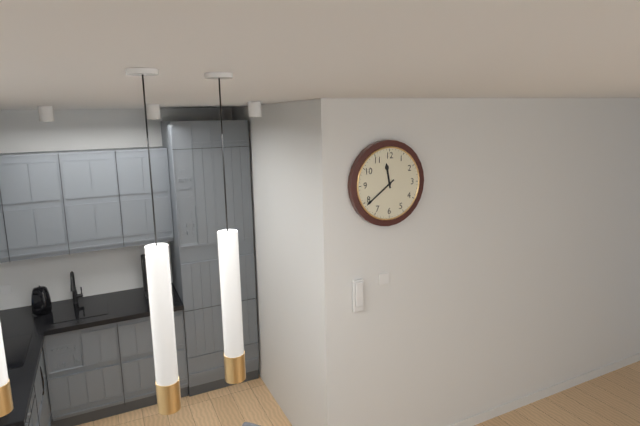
11,39
